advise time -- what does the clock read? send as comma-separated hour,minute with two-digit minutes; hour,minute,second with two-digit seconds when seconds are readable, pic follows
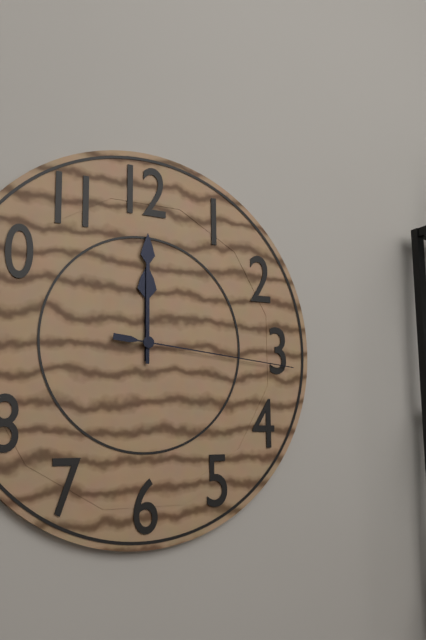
12,00,16
